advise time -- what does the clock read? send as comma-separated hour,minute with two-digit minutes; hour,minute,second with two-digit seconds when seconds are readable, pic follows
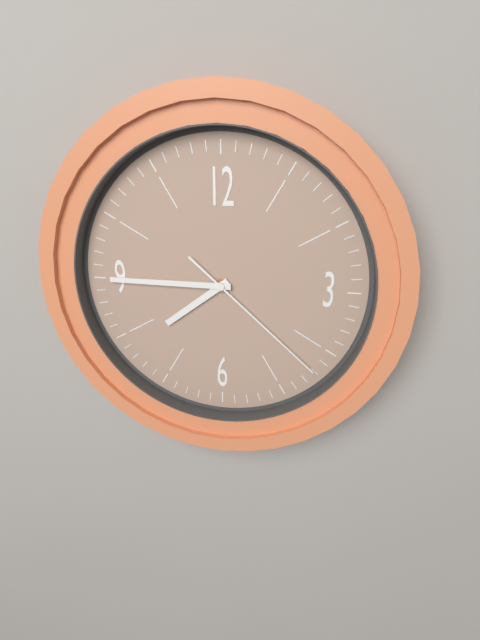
7,45,22
